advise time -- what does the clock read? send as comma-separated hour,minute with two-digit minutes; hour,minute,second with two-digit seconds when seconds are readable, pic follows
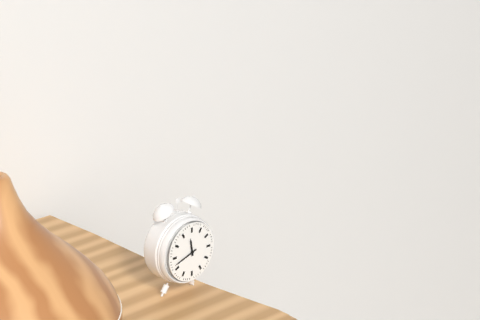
11,42
